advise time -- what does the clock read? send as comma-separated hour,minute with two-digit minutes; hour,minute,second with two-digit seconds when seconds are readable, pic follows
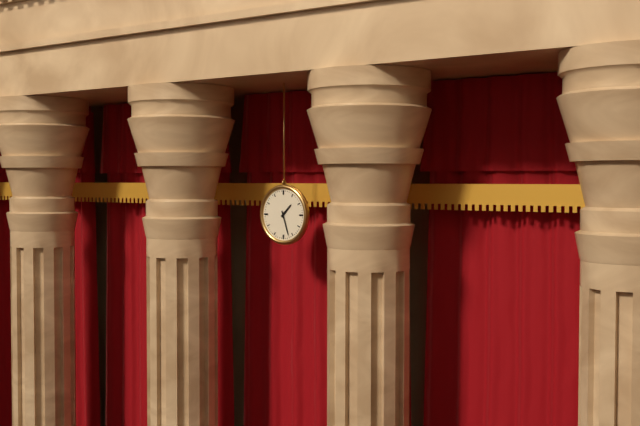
1,27
